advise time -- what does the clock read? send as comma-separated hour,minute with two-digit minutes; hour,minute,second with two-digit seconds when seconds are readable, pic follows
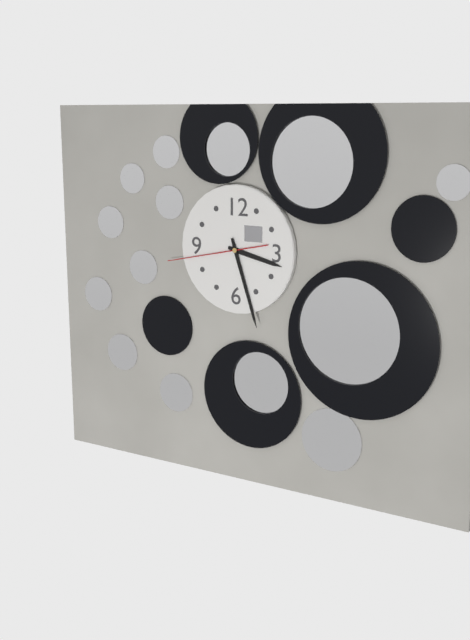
3,27,43
